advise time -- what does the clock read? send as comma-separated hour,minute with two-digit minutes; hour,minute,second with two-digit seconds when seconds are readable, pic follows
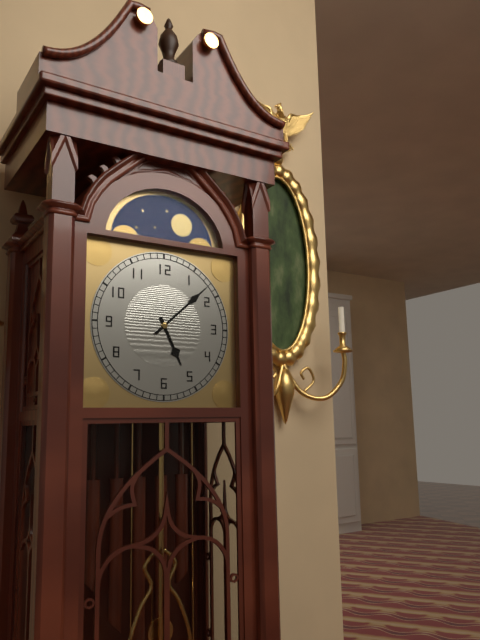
5,08
